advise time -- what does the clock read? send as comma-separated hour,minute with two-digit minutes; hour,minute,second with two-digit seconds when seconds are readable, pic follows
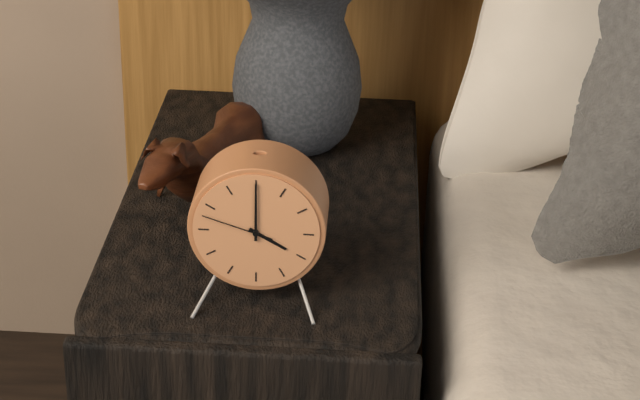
4,00,48
